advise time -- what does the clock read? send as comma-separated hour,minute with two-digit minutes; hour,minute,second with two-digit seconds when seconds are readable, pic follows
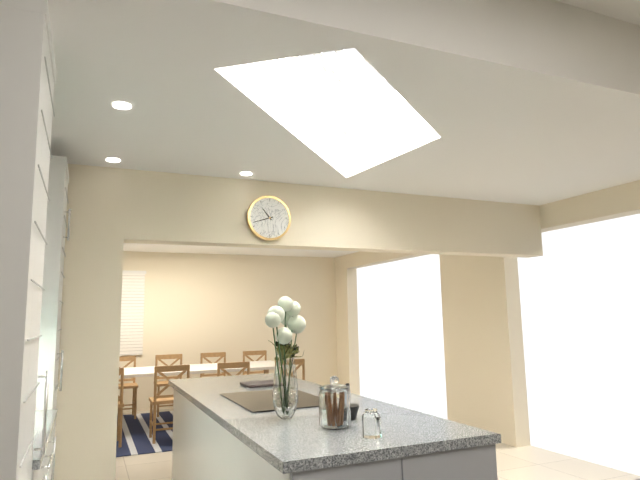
10,42
